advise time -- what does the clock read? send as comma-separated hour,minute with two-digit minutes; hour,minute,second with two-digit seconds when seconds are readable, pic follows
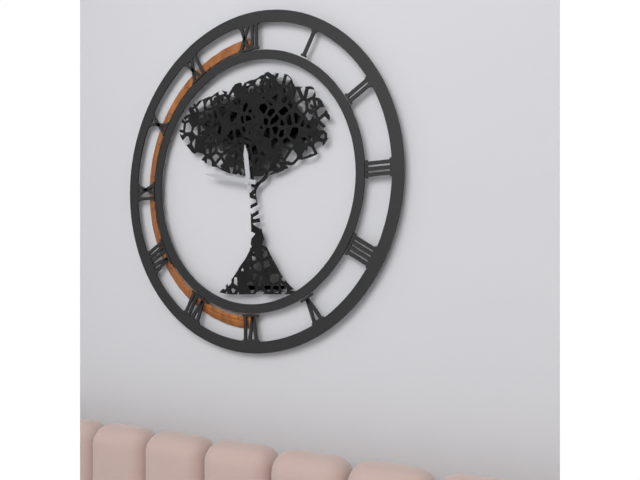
11,47
